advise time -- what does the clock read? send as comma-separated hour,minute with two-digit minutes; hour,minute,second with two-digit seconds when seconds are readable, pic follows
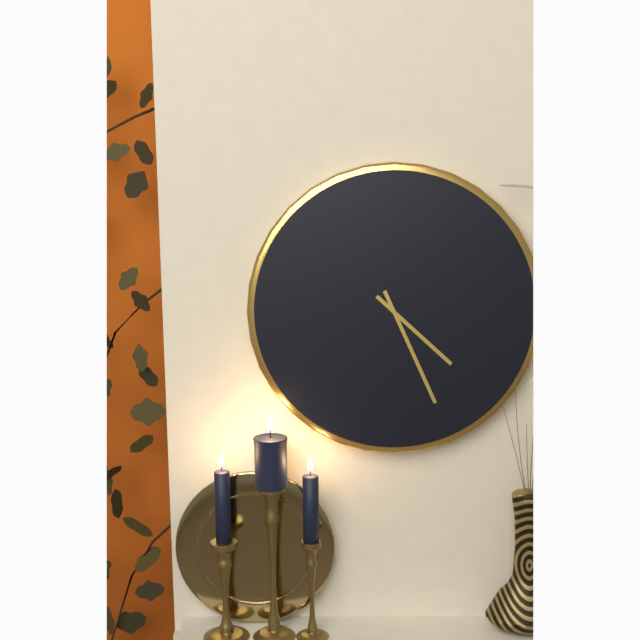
4,26
